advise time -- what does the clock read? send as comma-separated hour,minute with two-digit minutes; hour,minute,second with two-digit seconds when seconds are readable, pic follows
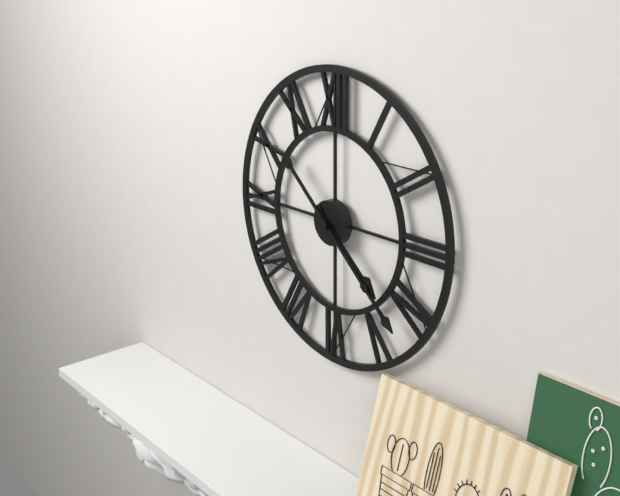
4,22
